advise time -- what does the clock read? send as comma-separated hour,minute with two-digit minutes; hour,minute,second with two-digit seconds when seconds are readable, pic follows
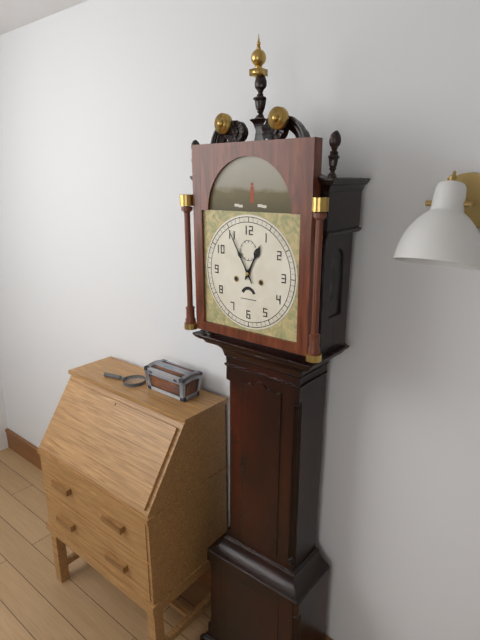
12,55
